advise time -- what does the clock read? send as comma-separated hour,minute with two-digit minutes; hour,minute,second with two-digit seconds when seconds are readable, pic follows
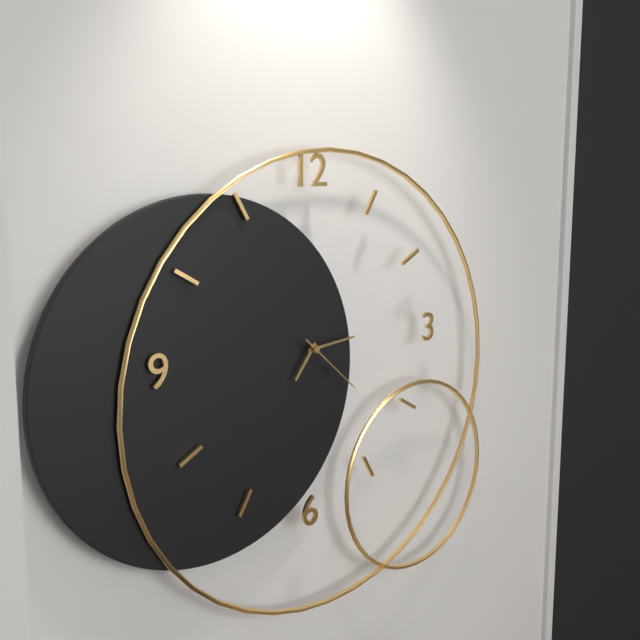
7,14,22
